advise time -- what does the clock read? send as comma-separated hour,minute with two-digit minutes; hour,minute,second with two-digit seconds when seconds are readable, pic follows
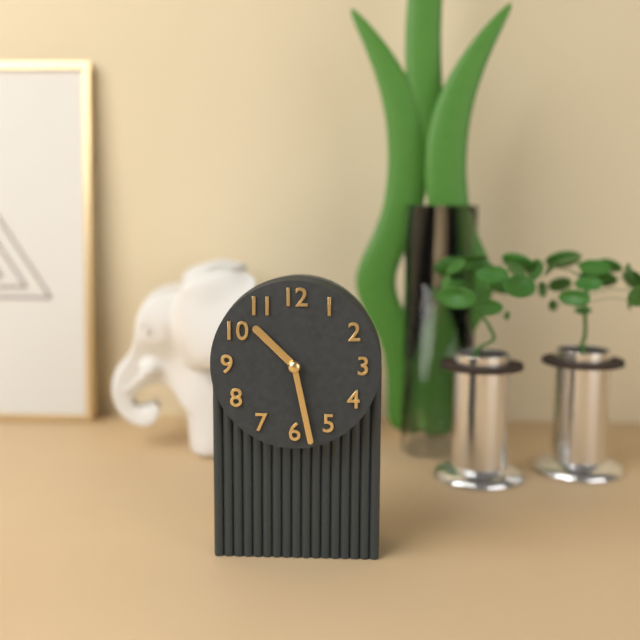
10,28
